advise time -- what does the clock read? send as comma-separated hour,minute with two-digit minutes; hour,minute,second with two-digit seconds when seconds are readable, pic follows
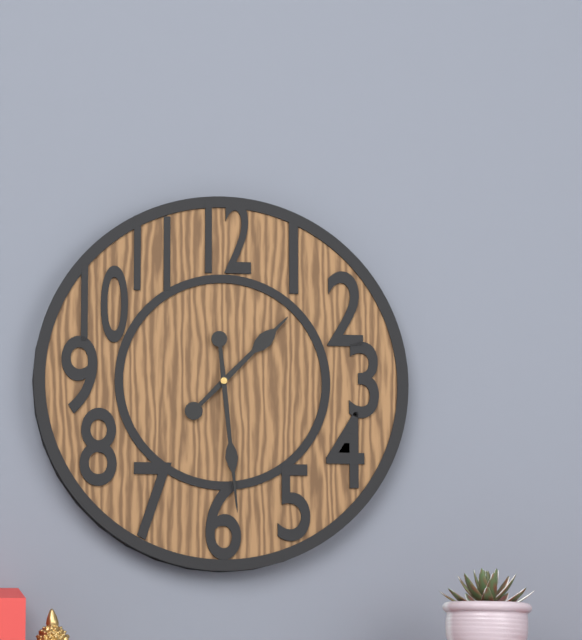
1,29
